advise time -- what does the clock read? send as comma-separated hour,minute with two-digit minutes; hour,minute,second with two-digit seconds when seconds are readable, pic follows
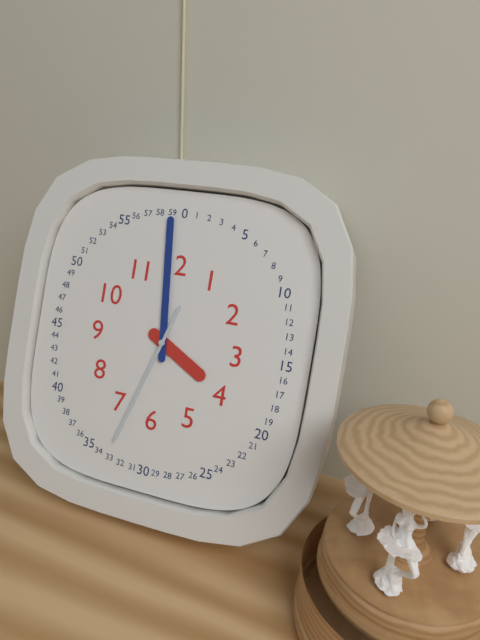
3,59,33
